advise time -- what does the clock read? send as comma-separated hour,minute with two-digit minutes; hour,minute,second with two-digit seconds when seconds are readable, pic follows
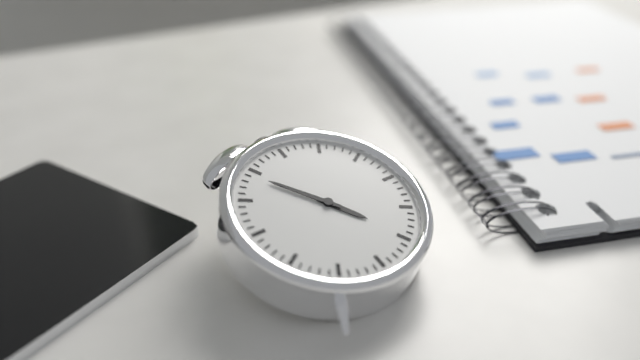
4,54
